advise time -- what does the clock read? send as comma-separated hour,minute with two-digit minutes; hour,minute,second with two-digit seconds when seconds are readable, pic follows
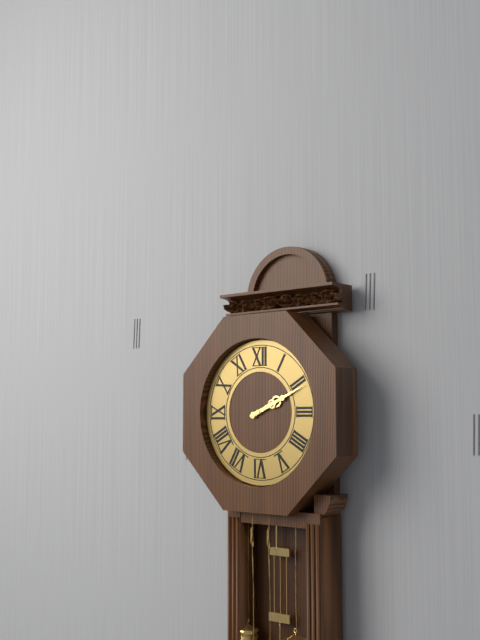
2,11
